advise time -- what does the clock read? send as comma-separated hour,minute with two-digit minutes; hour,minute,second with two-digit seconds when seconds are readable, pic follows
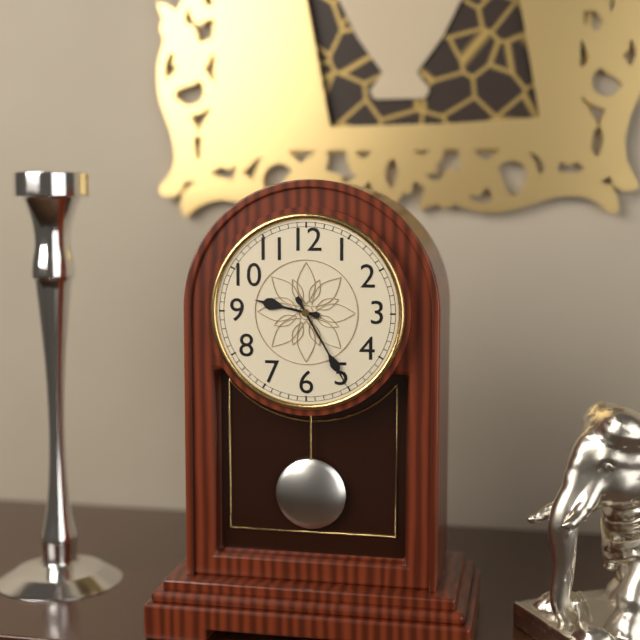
9,25
